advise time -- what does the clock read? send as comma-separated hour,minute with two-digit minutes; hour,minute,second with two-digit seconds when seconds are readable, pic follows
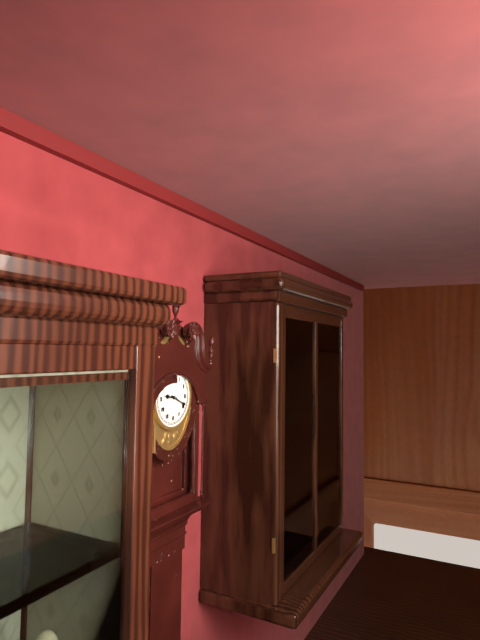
9,19
